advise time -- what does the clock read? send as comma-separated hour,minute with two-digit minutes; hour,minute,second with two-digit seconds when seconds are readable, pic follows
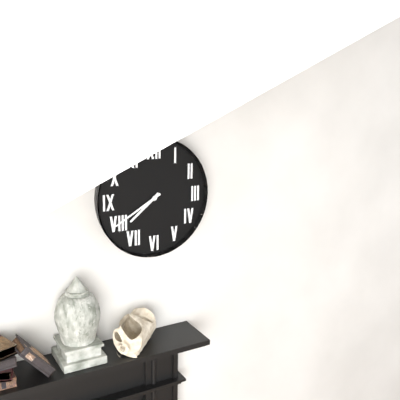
7,40
